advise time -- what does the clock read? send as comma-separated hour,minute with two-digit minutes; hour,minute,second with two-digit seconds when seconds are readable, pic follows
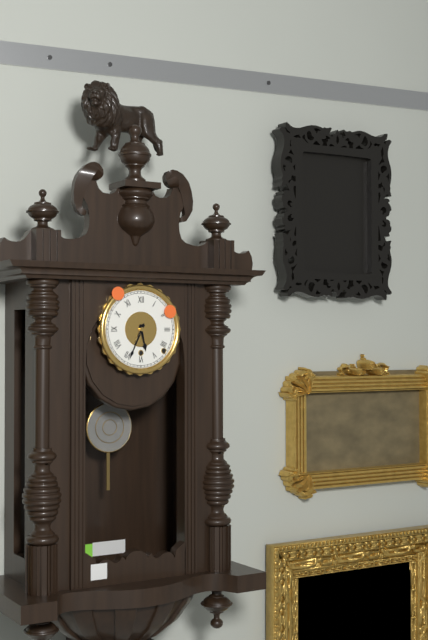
5,34
